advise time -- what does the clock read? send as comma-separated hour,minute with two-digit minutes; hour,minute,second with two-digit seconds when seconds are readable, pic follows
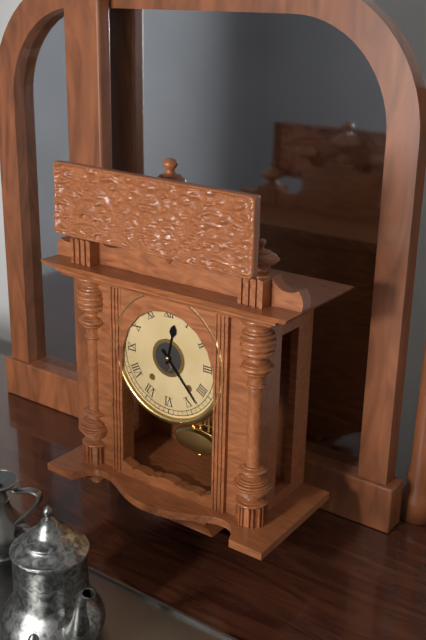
12,23
